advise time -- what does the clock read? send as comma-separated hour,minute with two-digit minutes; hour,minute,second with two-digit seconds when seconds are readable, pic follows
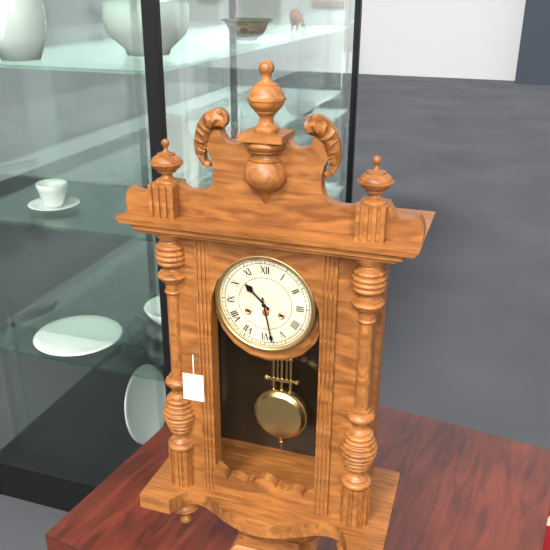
10,28
